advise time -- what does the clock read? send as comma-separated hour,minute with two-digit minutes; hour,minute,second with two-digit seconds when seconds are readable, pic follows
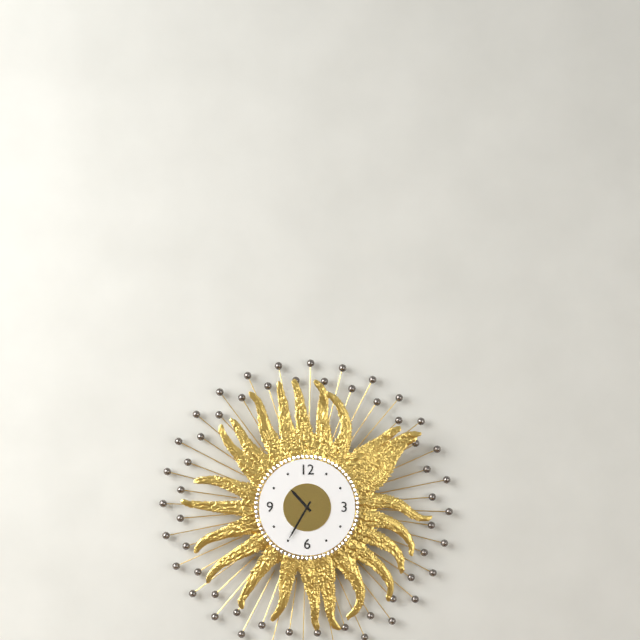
10,35
